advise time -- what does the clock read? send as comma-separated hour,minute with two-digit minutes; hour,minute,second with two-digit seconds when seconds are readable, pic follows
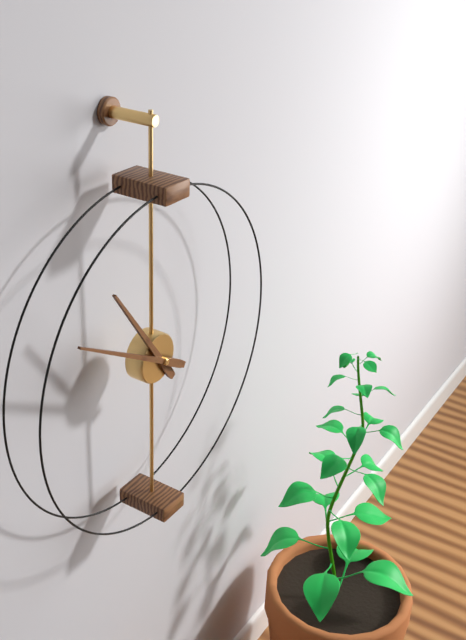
10,50
